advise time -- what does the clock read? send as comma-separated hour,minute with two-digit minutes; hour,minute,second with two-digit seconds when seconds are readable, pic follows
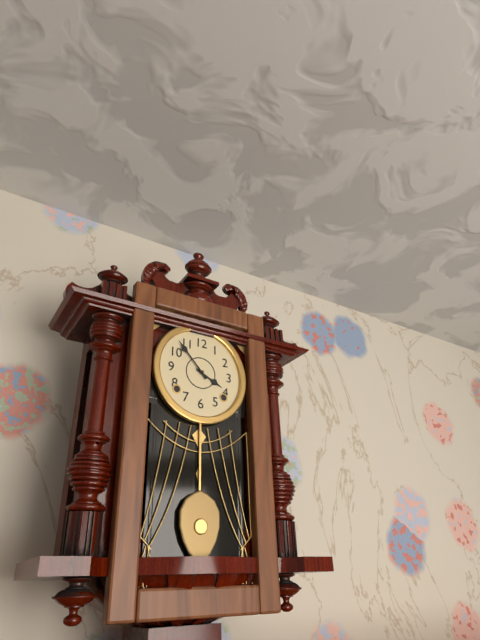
3,53
